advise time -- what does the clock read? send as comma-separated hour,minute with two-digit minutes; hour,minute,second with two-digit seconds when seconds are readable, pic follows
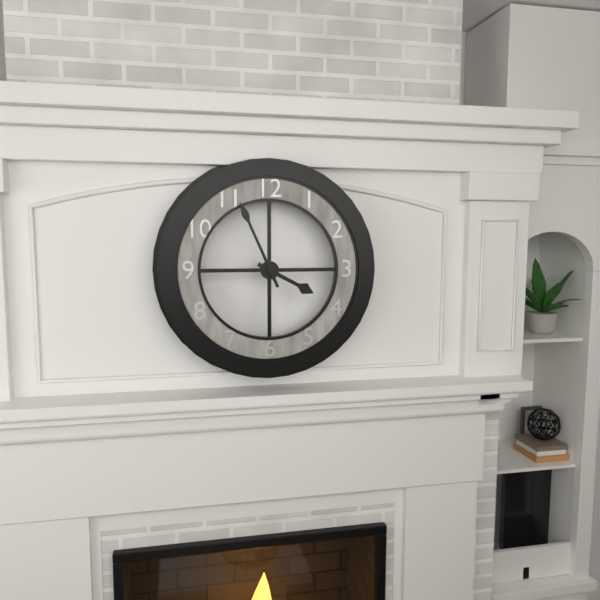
3,56
